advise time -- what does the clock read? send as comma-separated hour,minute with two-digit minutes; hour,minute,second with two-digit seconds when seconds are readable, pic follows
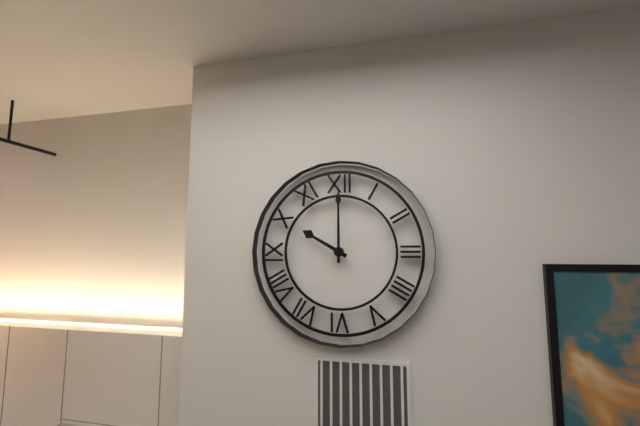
10,00
